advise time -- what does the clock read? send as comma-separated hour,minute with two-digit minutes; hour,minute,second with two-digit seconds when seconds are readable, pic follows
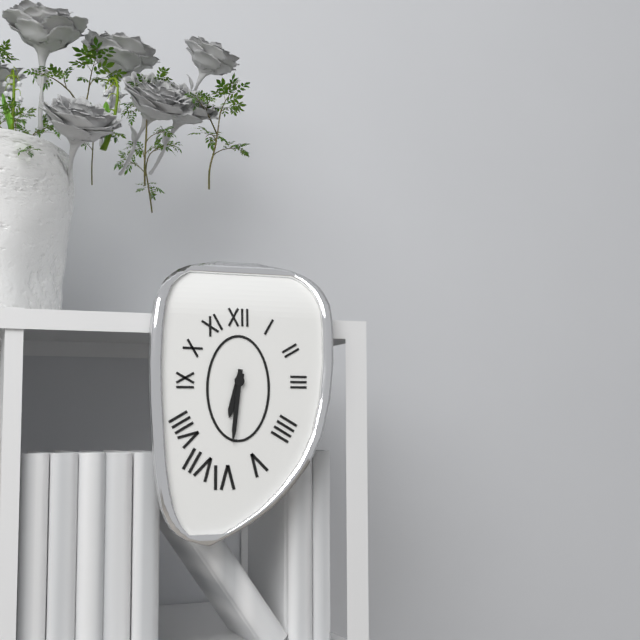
6,31
